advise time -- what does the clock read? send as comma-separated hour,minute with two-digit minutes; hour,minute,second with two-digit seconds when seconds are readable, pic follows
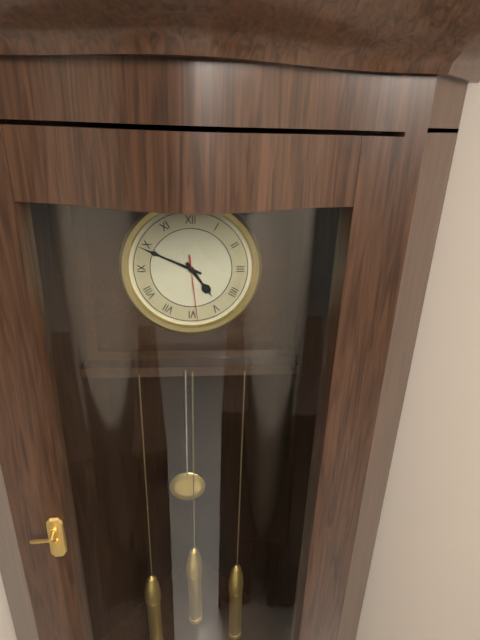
4,49,29
